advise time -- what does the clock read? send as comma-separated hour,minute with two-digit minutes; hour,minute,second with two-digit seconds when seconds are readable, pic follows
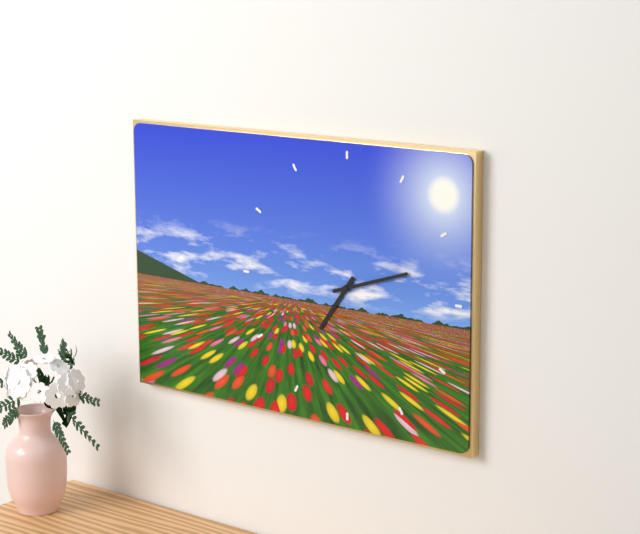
7,12
